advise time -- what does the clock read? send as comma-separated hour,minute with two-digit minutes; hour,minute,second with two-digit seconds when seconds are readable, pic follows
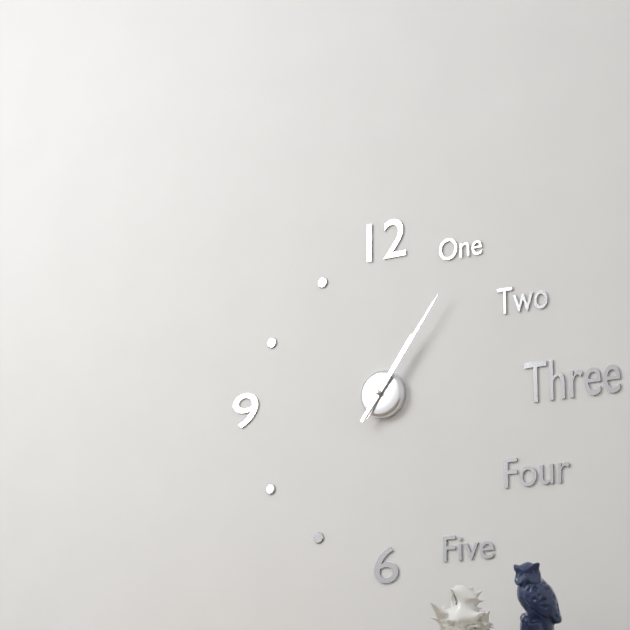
1,06
